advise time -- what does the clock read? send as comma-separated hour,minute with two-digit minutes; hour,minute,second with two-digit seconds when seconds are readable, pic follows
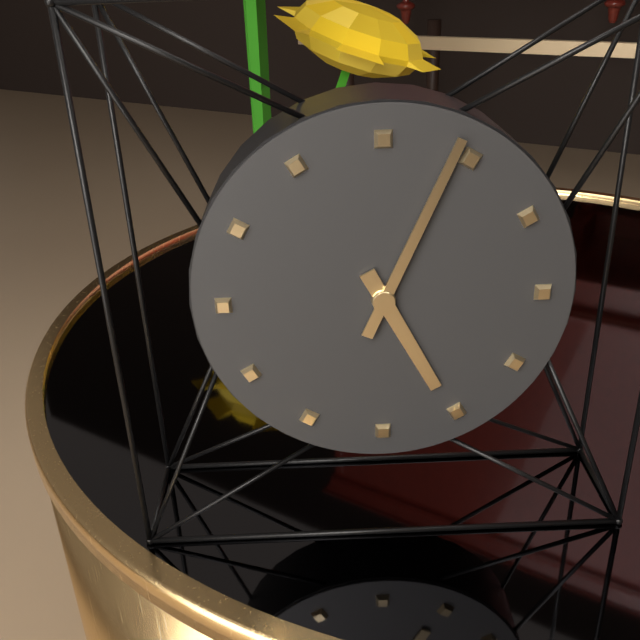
5,04
